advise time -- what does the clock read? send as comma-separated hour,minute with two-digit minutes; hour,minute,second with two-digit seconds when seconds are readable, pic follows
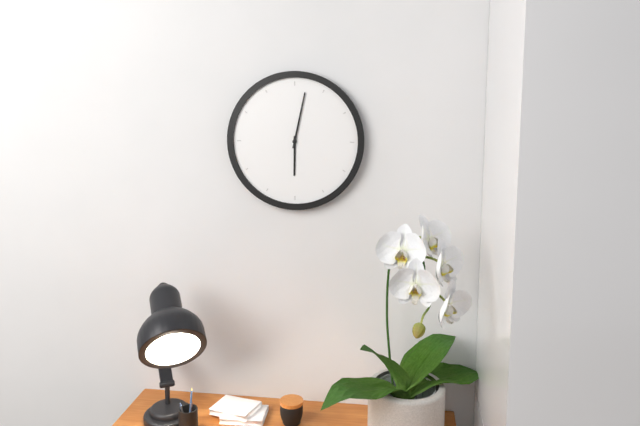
6,02
